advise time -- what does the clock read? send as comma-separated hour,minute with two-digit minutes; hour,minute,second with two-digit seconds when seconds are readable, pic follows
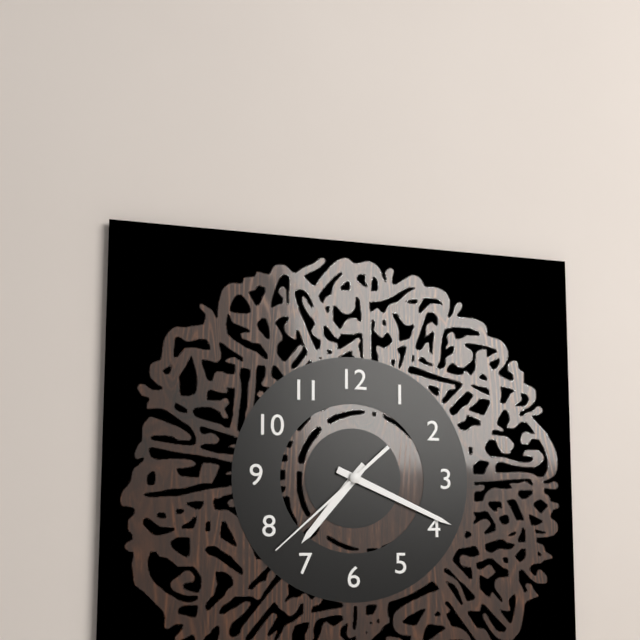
7,19,38
